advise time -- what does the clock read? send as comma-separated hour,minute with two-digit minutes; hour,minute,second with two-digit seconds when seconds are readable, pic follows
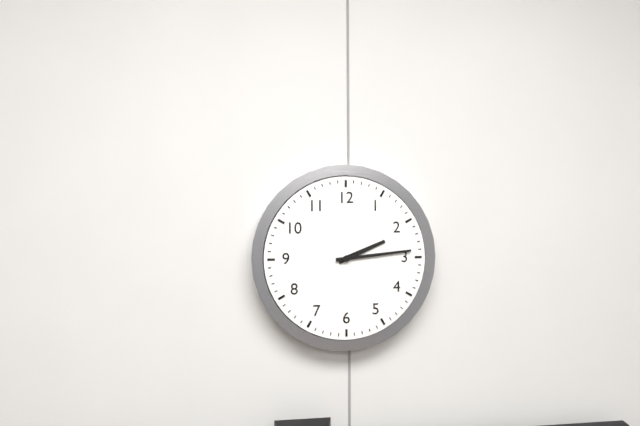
2,14
